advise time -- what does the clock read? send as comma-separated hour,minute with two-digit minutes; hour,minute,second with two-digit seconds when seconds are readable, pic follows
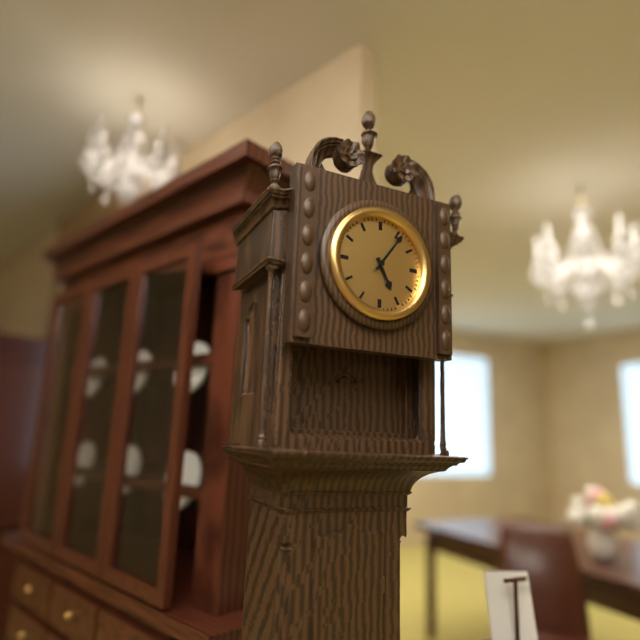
5,06
